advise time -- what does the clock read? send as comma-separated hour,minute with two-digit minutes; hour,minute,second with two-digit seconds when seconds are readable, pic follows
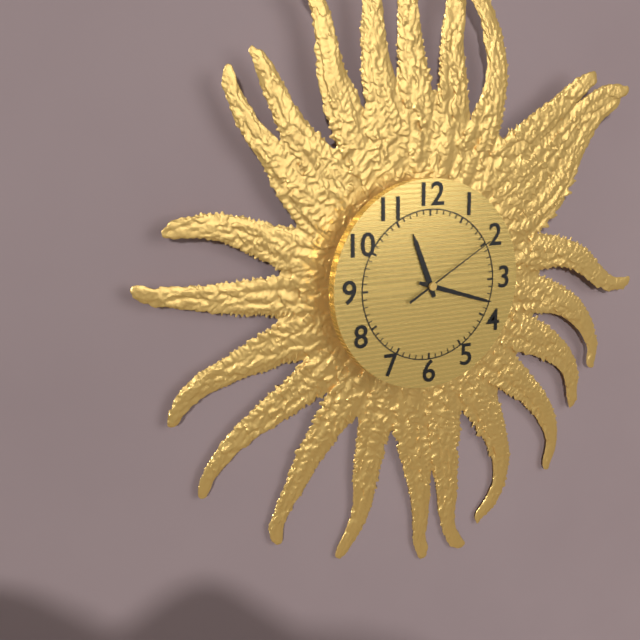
11,18,10
